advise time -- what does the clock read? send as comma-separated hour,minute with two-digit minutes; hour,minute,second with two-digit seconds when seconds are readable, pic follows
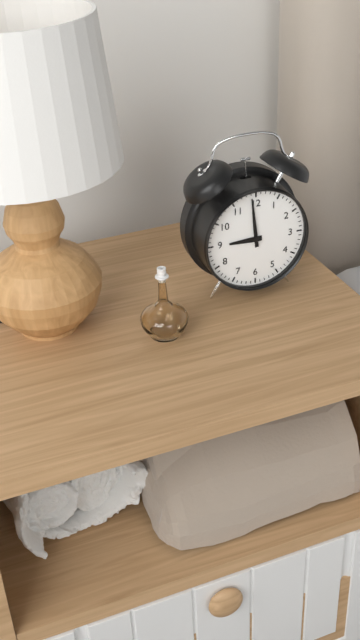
8,59
